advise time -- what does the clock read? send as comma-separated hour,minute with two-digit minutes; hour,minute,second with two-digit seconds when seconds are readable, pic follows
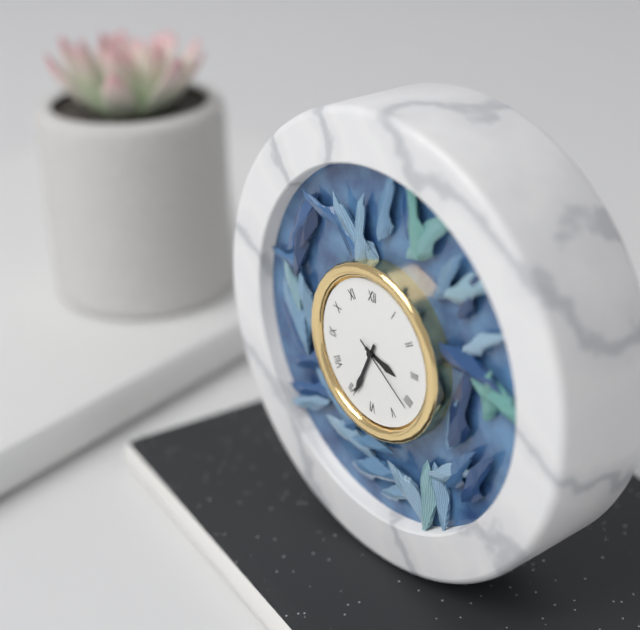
3,34,21
